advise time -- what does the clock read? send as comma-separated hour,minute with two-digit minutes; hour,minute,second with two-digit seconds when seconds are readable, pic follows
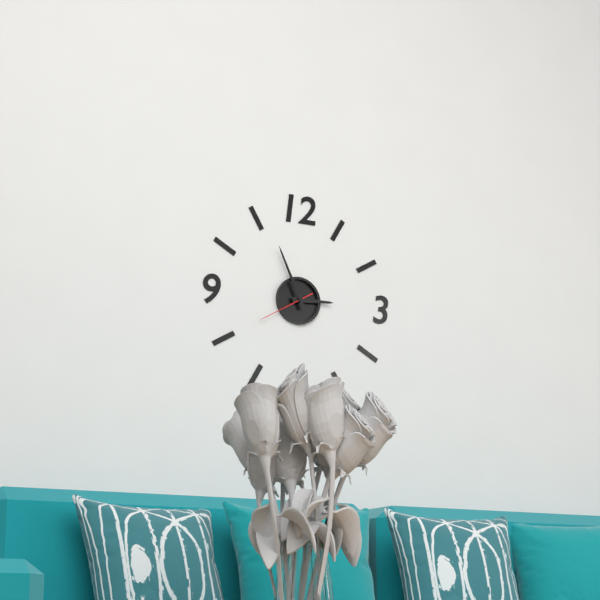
2,56,40
